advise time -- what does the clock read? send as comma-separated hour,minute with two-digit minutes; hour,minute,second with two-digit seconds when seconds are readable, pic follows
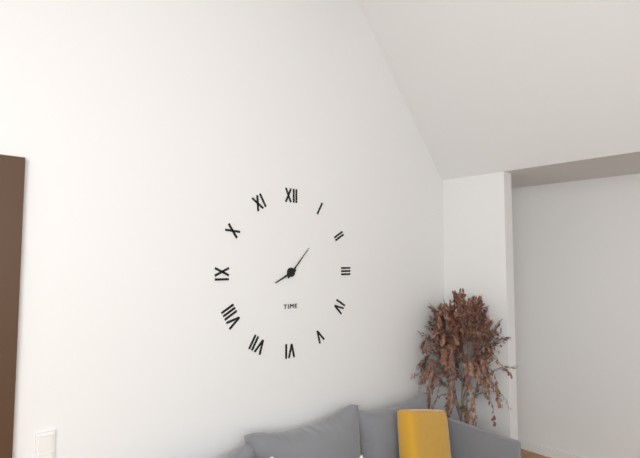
8,07
